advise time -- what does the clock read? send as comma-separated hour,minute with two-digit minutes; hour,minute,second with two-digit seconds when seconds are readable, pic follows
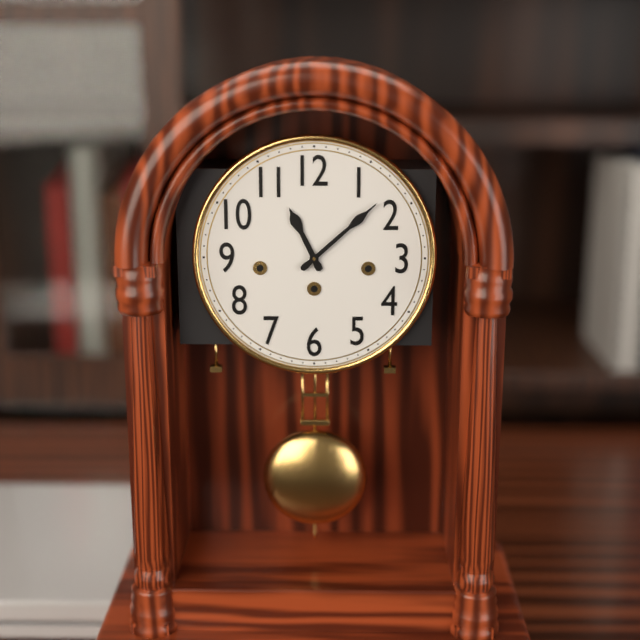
11,08
